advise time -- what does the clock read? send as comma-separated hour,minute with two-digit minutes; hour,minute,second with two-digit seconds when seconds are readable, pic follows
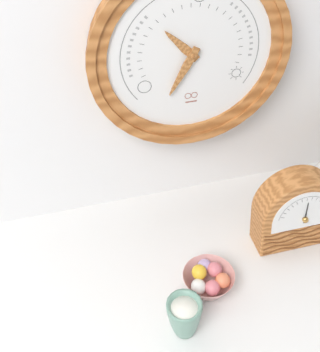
10,35
